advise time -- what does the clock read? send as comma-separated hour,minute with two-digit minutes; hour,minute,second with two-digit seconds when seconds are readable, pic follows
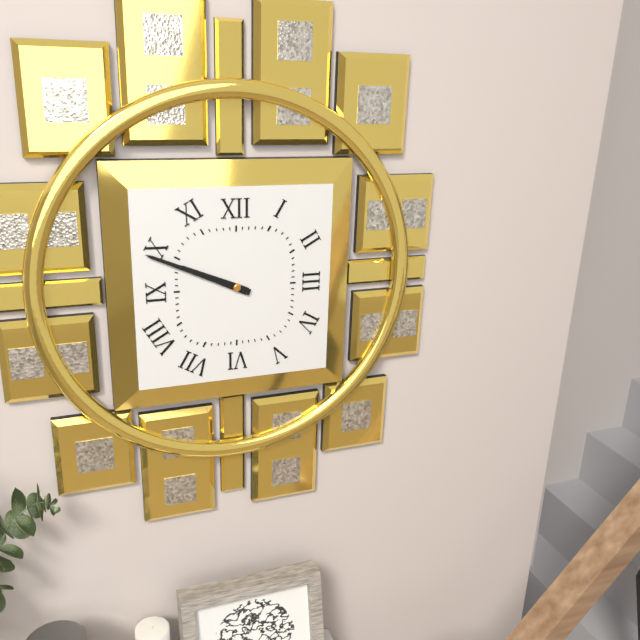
9,49
